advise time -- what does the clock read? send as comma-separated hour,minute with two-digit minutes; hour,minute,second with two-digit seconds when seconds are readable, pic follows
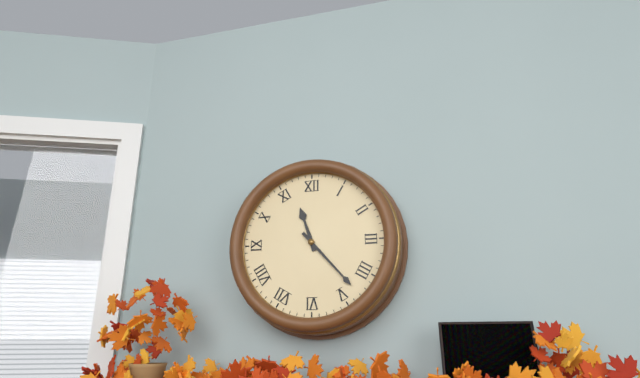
11,23
